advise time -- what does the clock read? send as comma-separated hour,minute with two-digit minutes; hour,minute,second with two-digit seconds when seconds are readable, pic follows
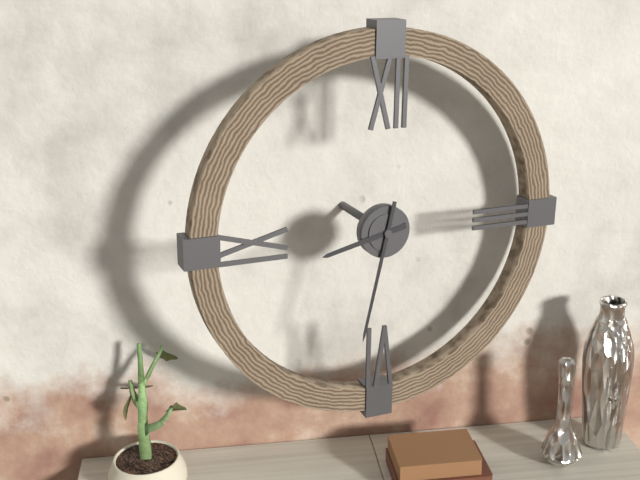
8,32
